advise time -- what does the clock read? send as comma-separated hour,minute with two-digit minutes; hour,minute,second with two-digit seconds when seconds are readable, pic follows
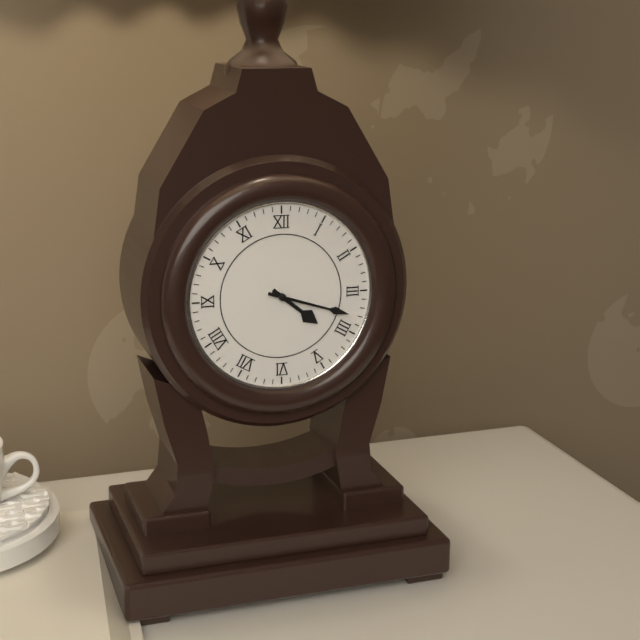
4,18
